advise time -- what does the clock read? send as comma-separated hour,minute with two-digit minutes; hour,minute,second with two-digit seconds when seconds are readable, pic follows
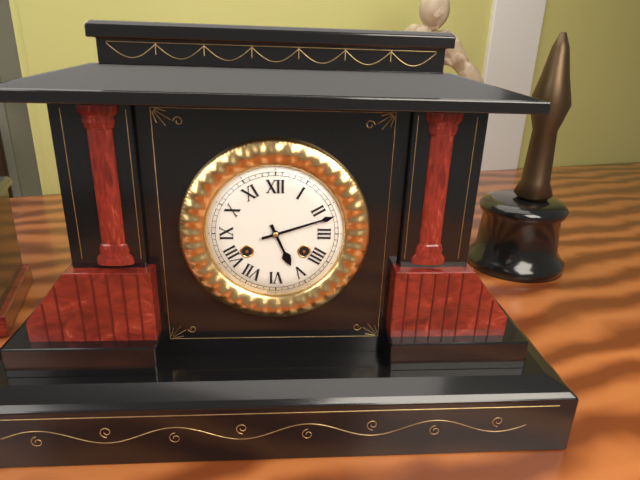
5,12
